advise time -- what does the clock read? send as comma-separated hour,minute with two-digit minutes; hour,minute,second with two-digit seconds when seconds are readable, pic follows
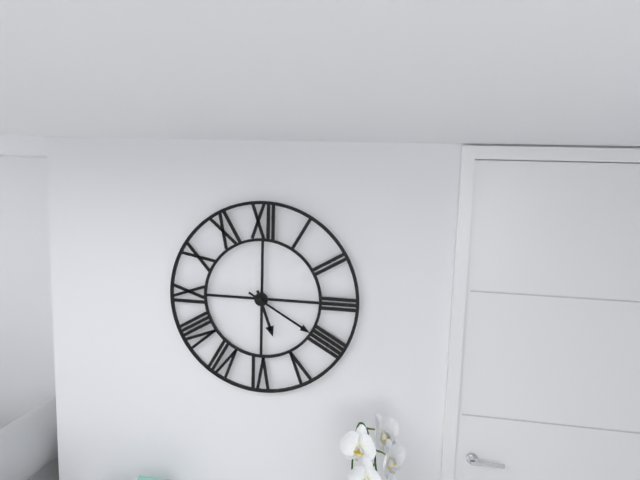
5,20
